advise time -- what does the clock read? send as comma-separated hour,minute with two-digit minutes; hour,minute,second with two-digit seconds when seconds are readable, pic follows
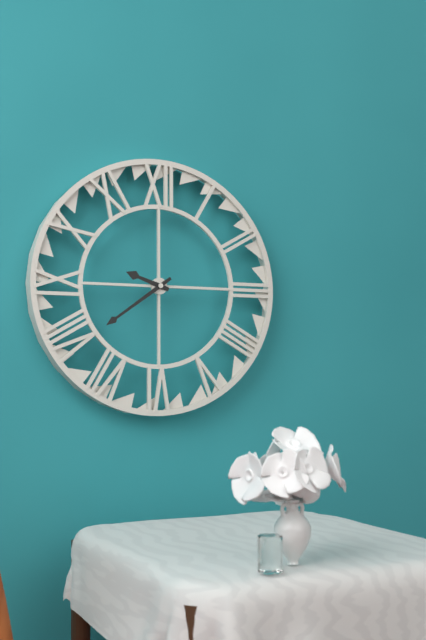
9,39
